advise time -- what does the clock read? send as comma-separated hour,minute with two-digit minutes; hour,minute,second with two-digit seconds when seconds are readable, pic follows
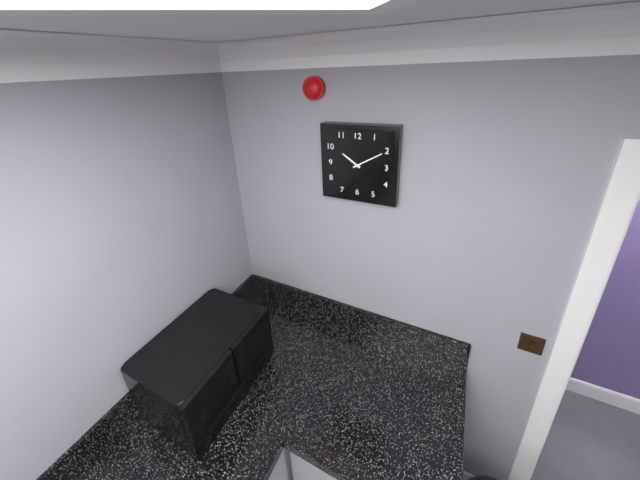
10,10
